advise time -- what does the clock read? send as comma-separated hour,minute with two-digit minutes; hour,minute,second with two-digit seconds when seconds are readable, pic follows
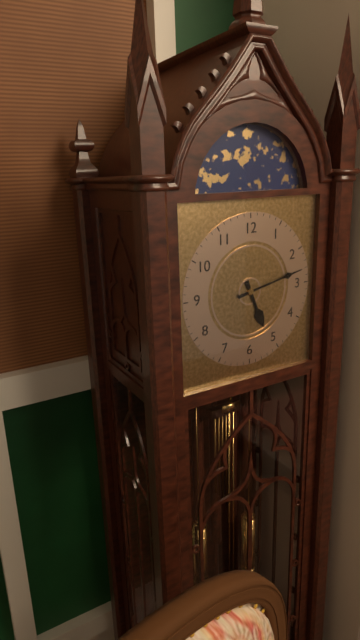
5,13
